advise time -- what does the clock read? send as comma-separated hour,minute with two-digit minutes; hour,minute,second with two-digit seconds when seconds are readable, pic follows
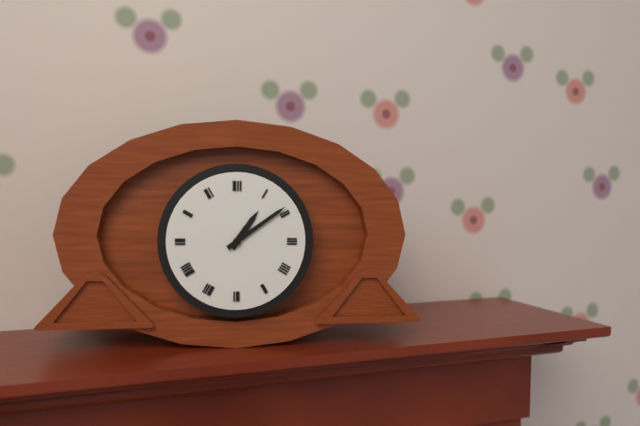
1,09
